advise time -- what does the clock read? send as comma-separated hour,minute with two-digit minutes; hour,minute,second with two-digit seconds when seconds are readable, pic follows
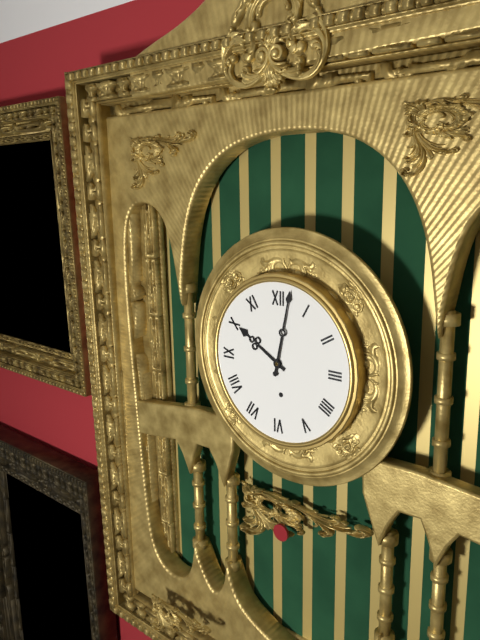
10,02
